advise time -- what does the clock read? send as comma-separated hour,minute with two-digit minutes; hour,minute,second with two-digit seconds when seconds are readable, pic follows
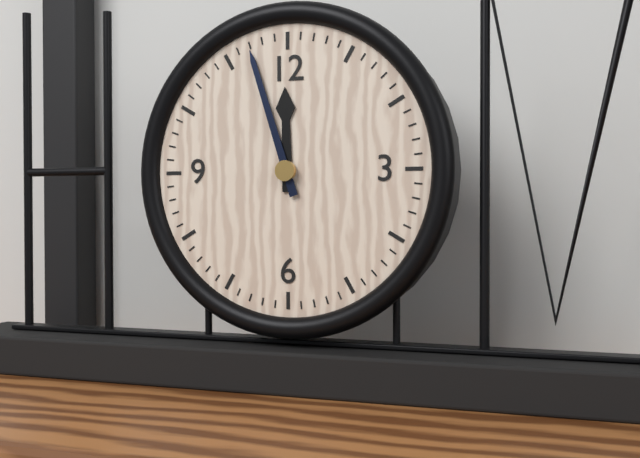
11,57
